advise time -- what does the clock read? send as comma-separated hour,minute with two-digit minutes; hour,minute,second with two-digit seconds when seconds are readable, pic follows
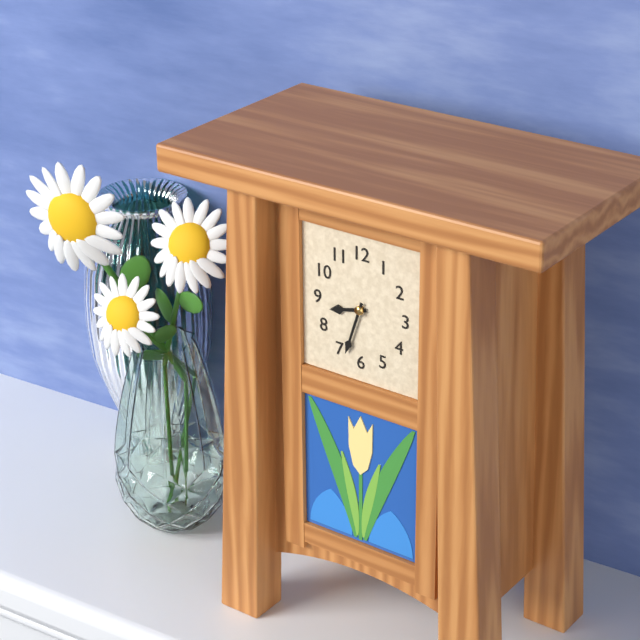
8,33
